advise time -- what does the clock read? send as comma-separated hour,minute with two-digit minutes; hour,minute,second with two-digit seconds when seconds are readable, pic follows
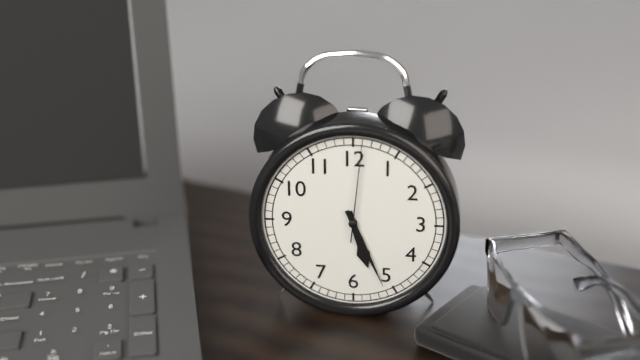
5,26,01
